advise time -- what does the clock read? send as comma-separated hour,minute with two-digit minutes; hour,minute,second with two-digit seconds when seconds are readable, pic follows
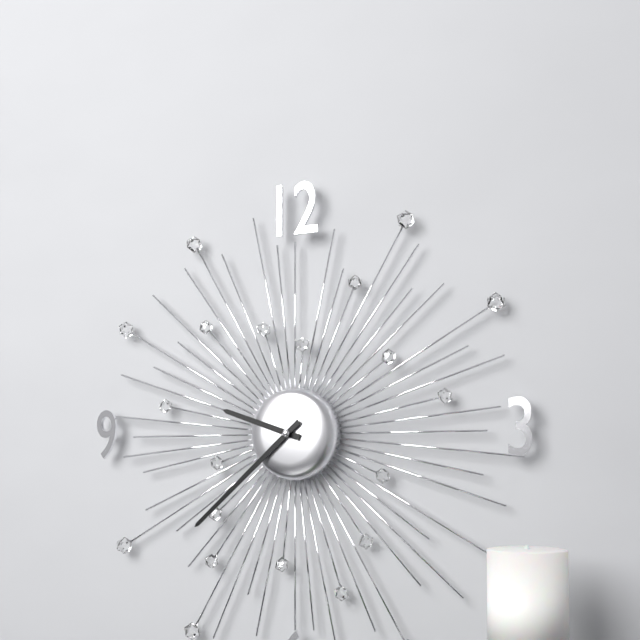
9,38
